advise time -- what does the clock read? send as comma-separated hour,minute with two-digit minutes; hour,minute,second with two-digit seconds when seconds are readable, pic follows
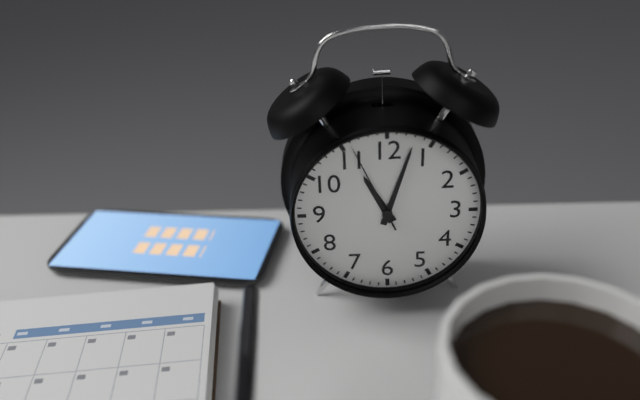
11,03,56
